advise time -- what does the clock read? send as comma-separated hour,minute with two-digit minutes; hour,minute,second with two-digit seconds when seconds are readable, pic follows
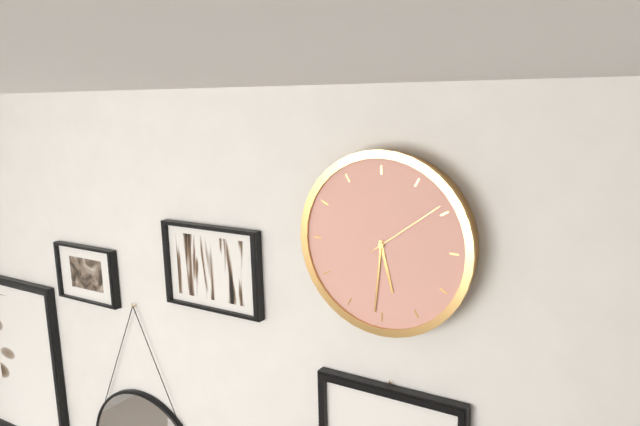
5,31,09
